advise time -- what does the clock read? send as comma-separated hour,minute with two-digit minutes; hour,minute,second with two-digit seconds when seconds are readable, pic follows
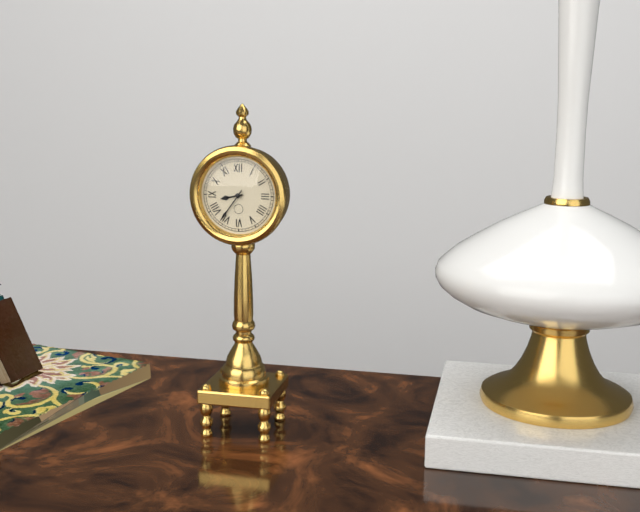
8,36
